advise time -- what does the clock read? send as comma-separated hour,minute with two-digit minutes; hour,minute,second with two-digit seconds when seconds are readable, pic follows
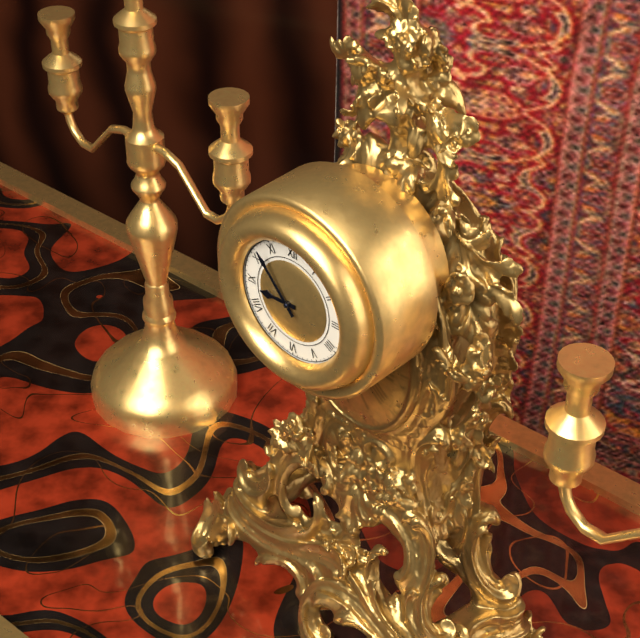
8,53
